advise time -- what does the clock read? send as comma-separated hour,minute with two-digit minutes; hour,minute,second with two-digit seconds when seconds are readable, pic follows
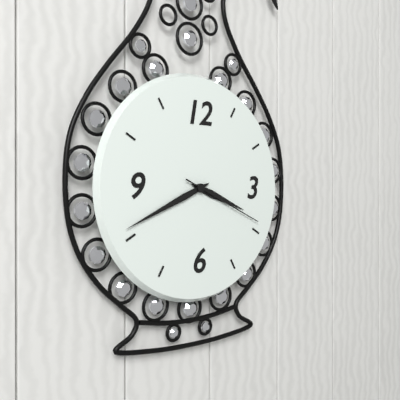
3,41,19
